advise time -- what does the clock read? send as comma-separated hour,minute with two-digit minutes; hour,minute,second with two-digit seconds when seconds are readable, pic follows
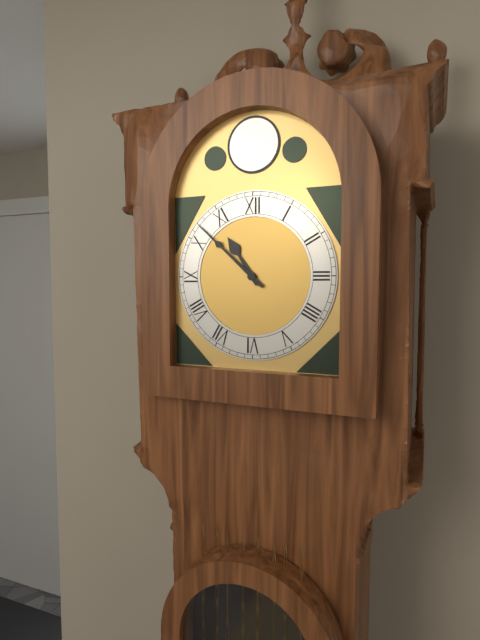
10,52
